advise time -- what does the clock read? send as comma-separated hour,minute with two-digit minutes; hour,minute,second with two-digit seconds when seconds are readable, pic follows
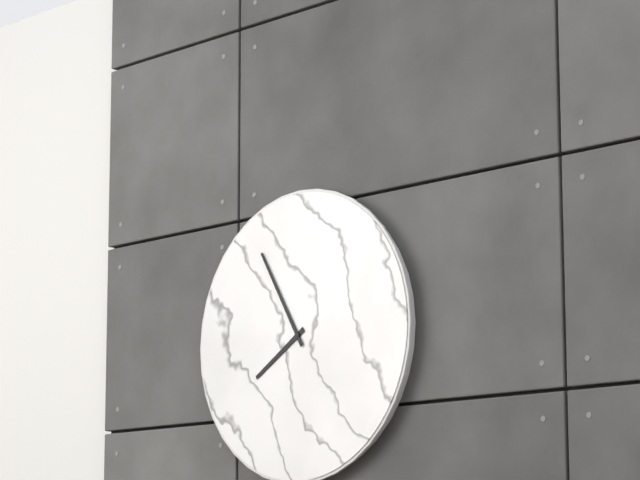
7,55
